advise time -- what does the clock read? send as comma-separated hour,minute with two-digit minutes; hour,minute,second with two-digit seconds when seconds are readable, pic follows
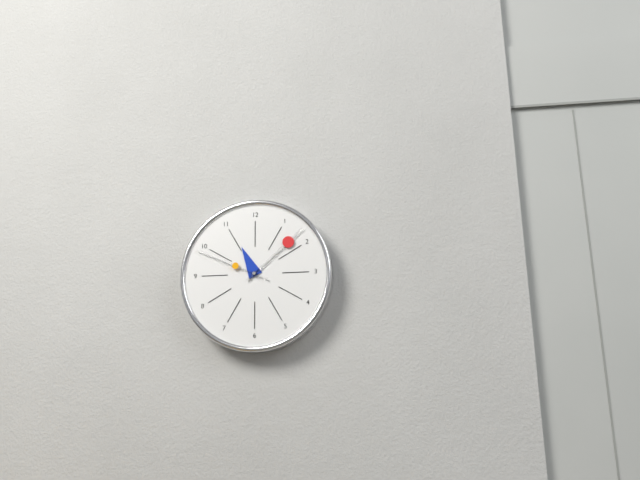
11,08,49
